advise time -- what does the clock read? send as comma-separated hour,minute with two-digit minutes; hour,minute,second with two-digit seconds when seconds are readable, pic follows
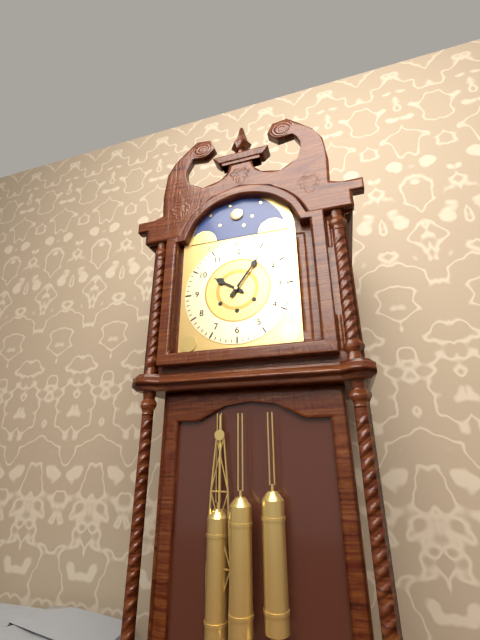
10,06
